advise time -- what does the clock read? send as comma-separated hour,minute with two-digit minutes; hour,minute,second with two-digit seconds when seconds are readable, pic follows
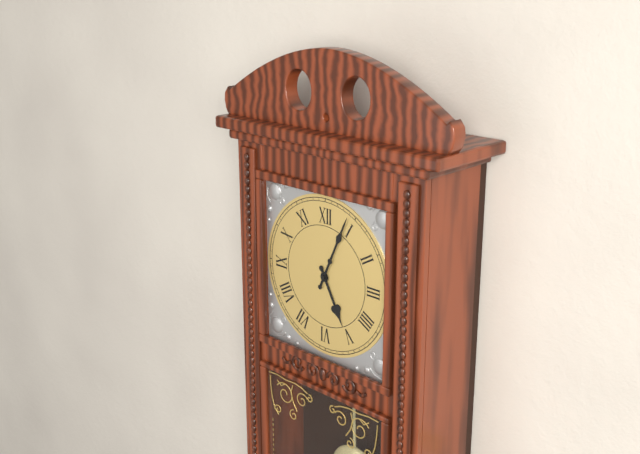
5,04
